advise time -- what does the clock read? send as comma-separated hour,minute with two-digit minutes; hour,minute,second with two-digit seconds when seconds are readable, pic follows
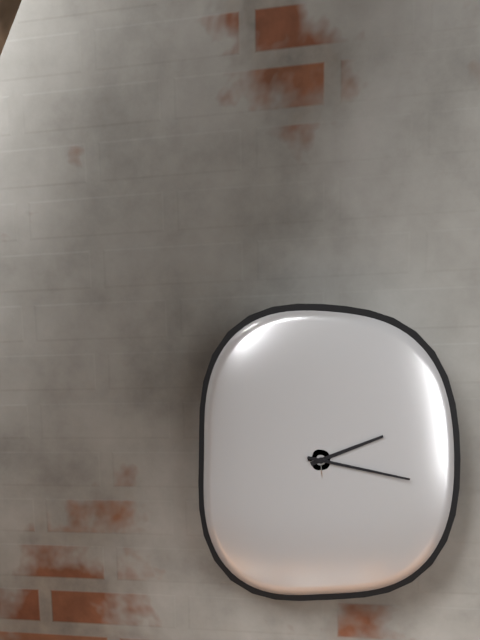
2,17
